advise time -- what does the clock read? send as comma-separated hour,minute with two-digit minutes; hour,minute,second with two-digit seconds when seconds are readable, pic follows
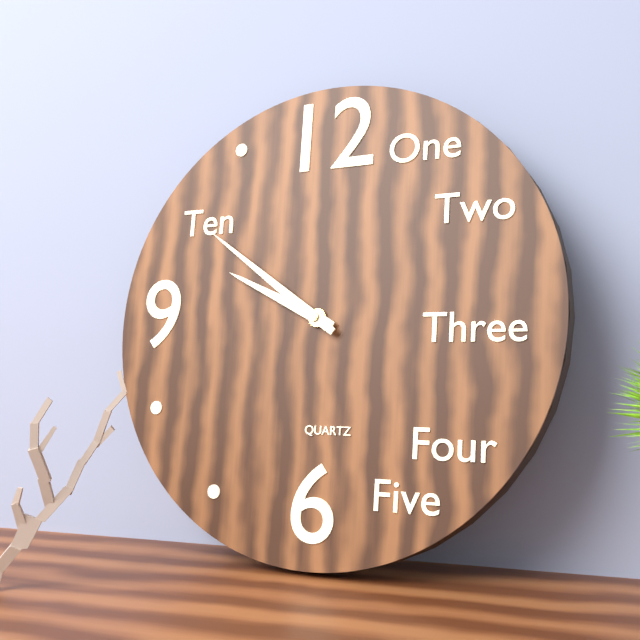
9,51
